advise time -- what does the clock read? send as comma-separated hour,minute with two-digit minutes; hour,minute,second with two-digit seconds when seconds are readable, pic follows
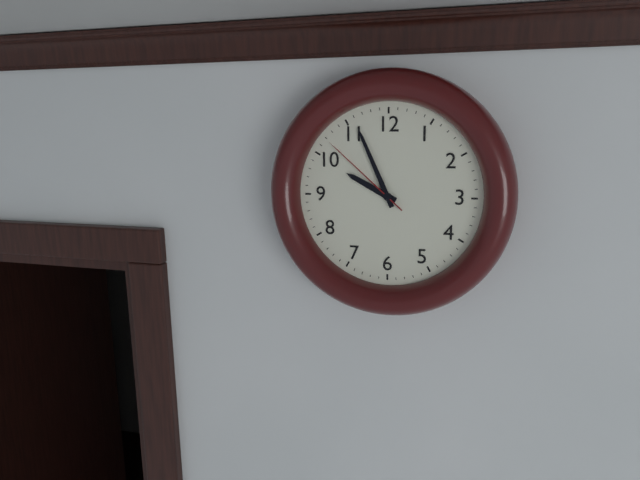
9,56,52
